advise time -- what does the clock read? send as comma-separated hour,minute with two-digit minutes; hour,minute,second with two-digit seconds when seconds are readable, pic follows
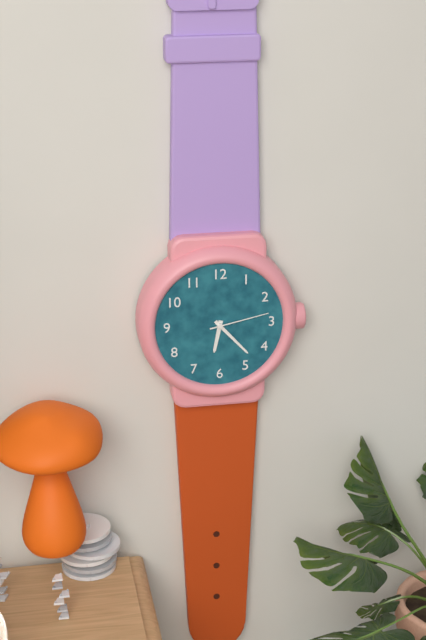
6,23,13
